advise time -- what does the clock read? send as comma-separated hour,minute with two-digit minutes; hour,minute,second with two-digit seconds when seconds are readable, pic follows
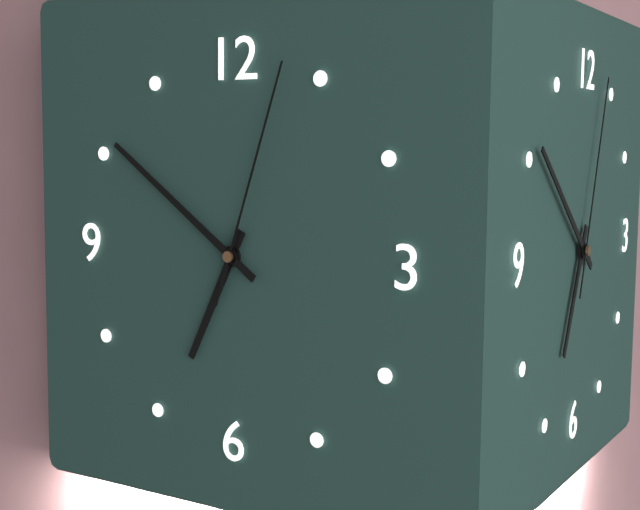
6,51,03
